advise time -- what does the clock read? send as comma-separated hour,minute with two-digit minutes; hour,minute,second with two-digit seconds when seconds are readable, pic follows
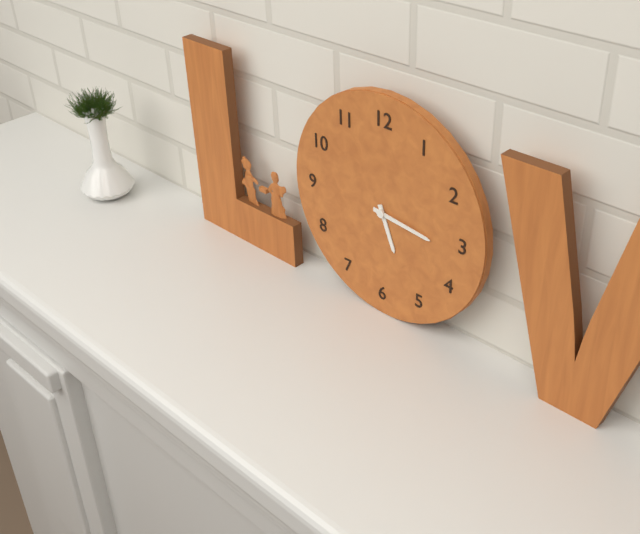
5,16
